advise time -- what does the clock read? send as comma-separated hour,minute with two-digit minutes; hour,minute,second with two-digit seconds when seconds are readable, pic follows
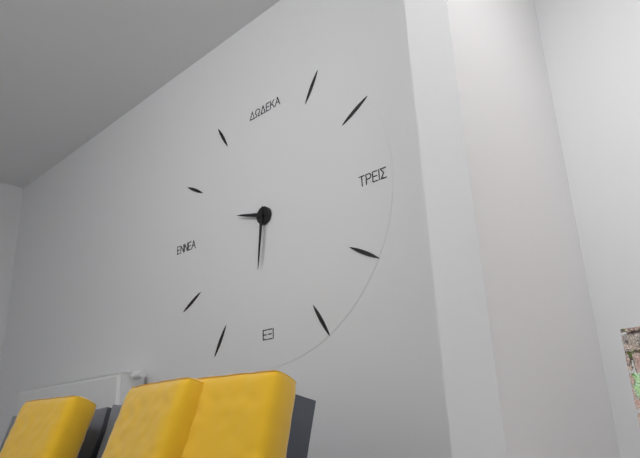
9,31
